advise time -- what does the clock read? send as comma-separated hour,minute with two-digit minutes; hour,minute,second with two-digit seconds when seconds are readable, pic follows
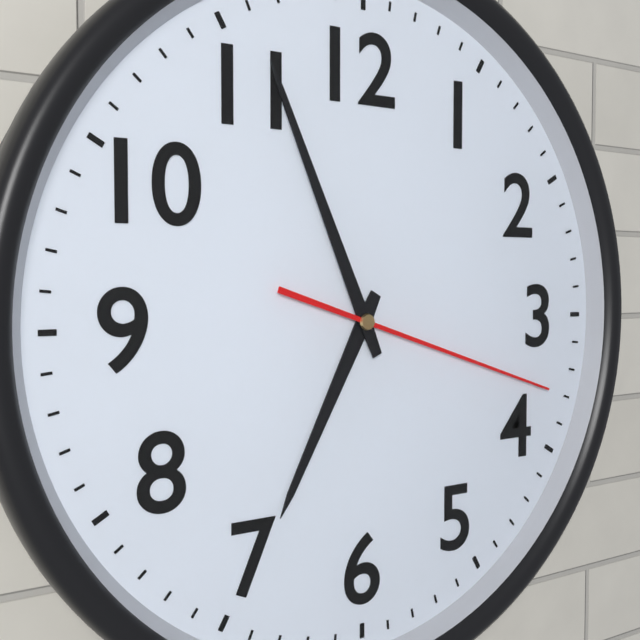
6,56,18
